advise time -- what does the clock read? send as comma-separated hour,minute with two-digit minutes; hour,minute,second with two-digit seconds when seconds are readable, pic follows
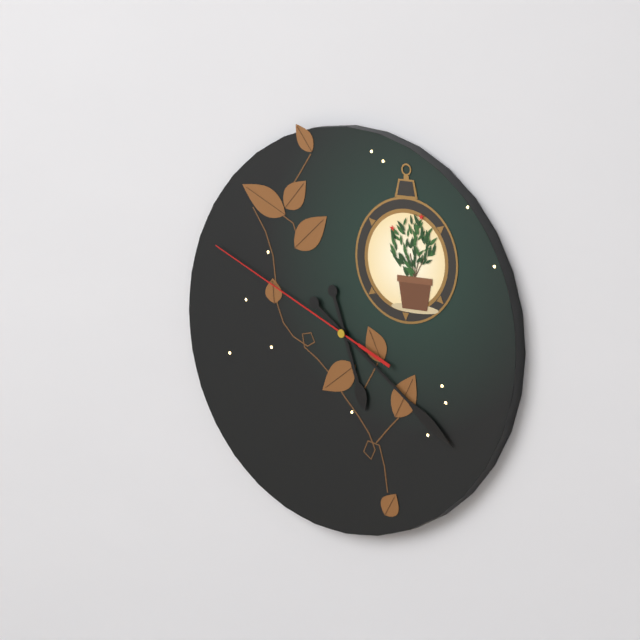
5,21,49
